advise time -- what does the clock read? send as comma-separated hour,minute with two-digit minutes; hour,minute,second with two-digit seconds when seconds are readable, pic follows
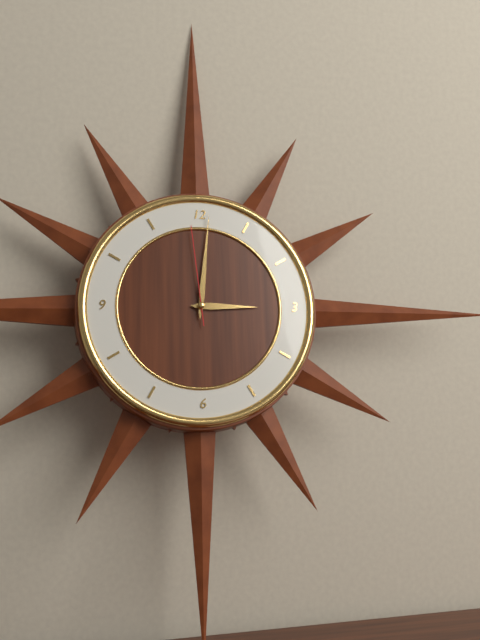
3,01,59
